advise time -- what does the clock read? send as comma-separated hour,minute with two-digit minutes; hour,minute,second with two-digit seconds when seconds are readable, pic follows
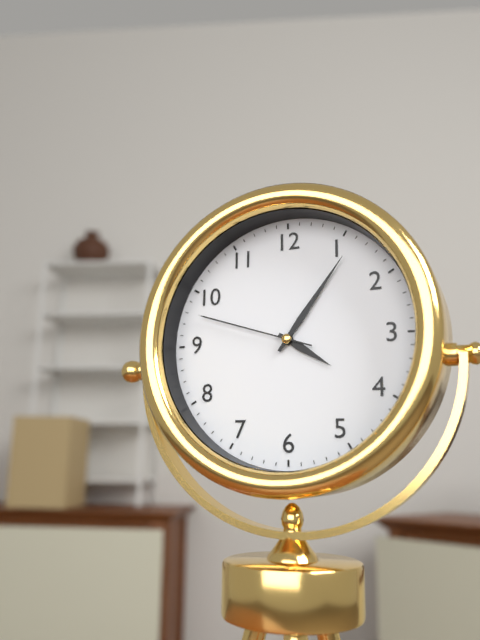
4,06,48
